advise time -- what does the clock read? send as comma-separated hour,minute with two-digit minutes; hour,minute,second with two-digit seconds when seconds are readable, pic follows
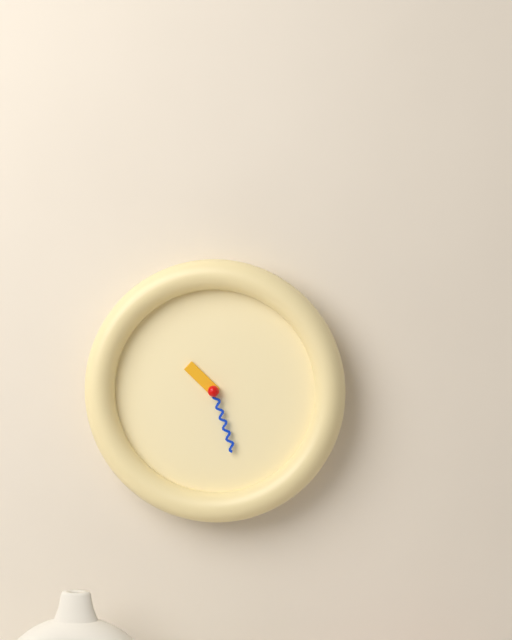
10,27
